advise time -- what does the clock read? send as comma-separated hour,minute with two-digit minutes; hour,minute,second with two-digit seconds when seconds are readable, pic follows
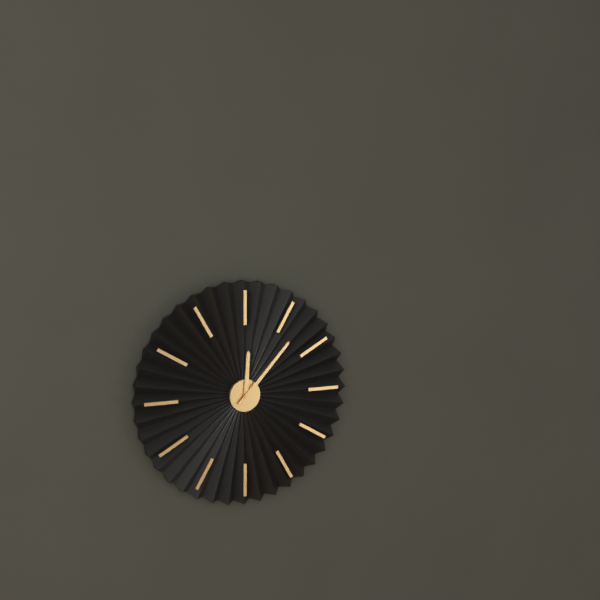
12,07
